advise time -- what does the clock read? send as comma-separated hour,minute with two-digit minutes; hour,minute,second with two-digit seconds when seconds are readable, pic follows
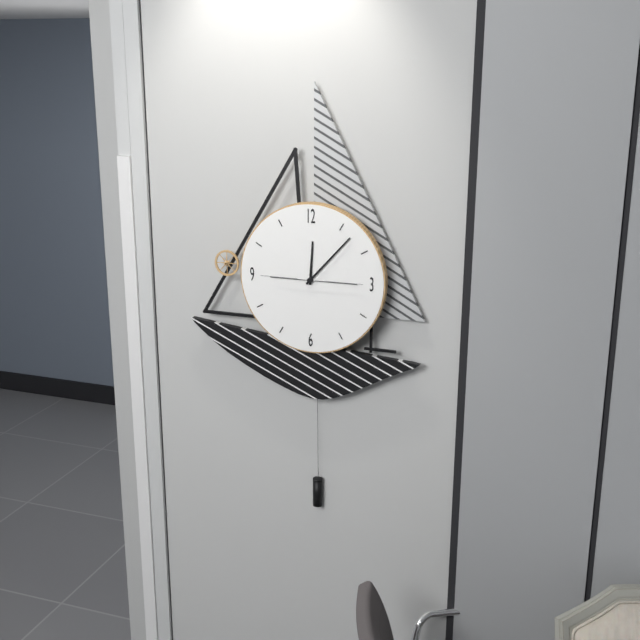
12,07,15
